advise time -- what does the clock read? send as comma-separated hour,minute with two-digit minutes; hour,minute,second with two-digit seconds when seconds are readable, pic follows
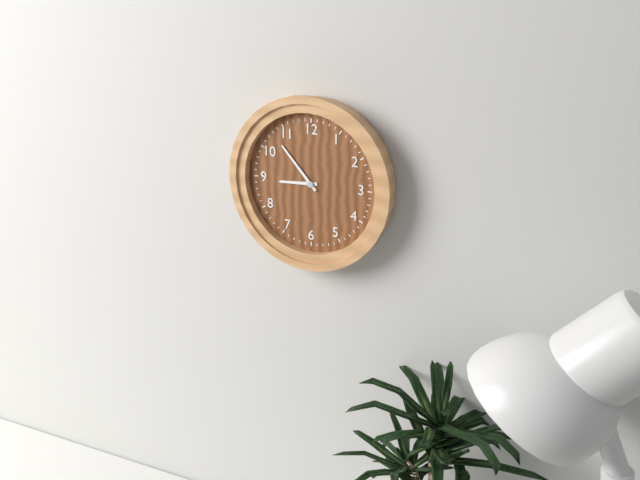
8,53
